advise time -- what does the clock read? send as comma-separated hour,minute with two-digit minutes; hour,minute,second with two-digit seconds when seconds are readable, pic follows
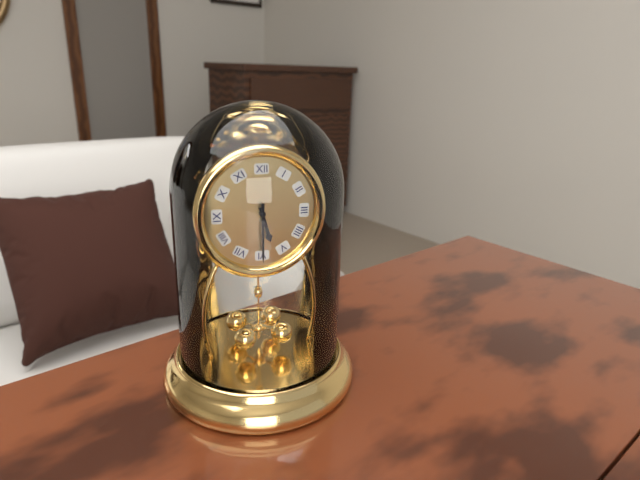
5,30
